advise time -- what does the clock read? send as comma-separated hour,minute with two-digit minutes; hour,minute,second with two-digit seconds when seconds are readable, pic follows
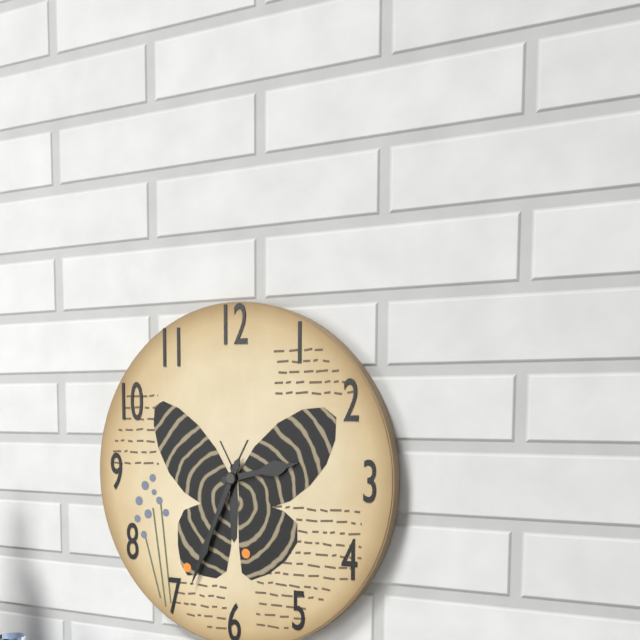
2,34
